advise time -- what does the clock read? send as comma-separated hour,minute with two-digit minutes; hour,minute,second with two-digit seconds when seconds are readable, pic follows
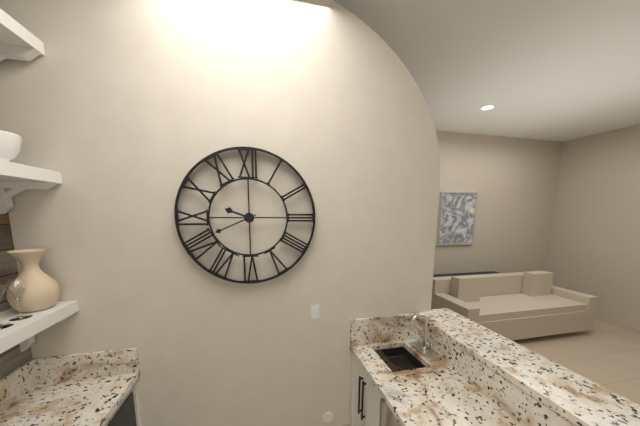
9,41
